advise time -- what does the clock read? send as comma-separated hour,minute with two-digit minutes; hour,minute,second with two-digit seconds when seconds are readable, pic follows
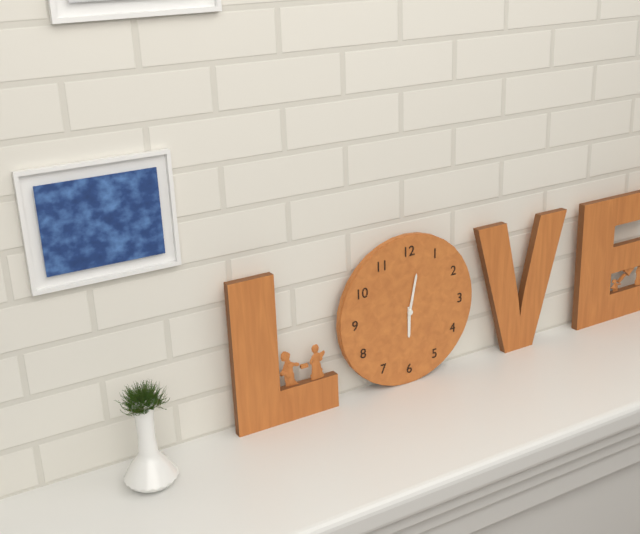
6,02
